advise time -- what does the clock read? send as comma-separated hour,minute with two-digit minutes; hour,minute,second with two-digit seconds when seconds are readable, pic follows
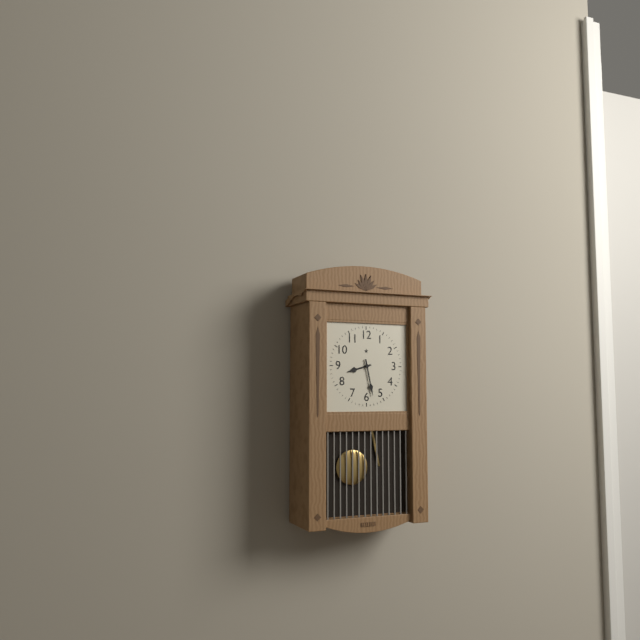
8,28
